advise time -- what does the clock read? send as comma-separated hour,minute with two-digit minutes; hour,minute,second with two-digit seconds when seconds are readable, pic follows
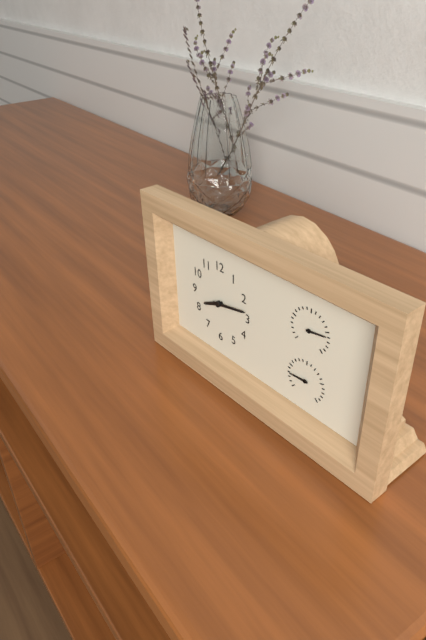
8,13
